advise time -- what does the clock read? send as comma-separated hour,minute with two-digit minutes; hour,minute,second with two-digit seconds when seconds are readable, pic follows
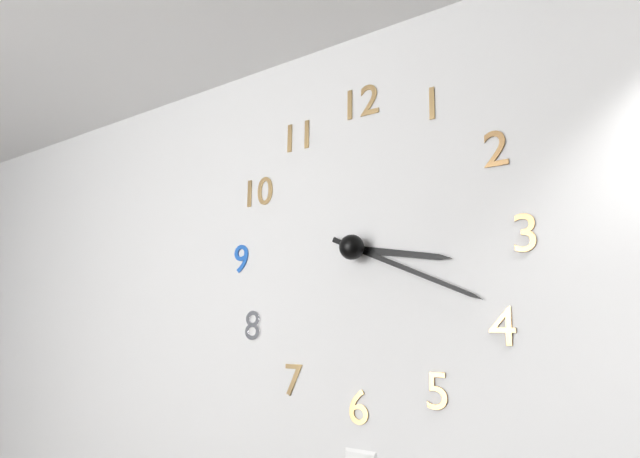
3,19
